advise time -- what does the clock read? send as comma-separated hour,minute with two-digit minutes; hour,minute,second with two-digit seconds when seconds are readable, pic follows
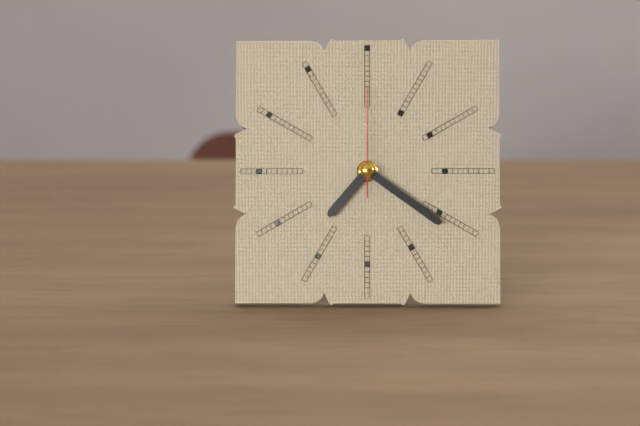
7,21,00
